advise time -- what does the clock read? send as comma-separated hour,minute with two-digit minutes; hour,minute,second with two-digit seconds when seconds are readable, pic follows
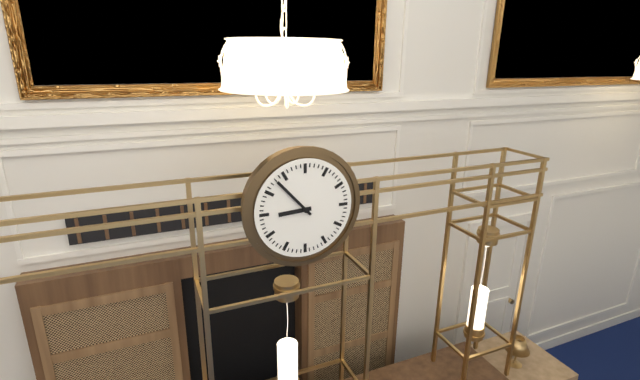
8,53
